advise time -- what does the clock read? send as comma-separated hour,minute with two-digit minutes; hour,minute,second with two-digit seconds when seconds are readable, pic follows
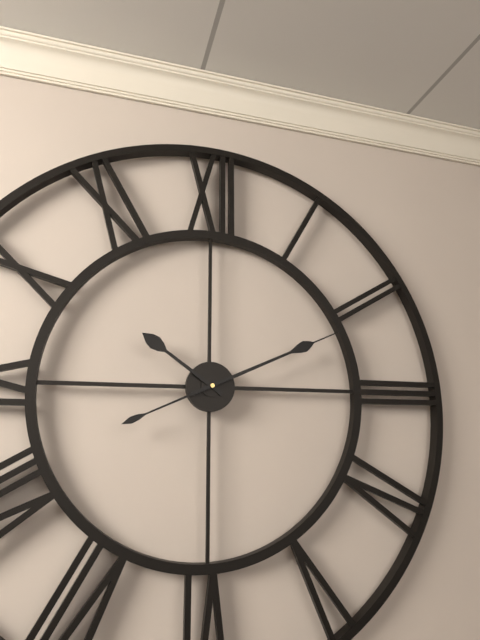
10,11,41
